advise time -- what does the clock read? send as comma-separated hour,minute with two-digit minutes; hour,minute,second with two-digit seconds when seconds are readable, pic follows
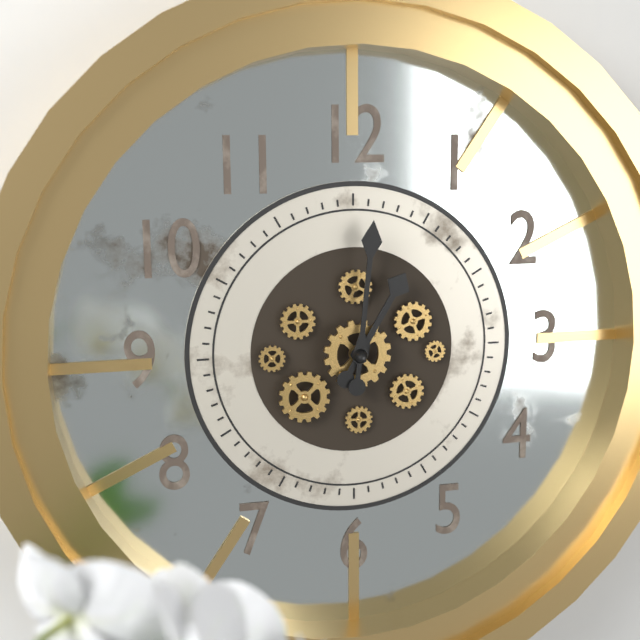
1,01
